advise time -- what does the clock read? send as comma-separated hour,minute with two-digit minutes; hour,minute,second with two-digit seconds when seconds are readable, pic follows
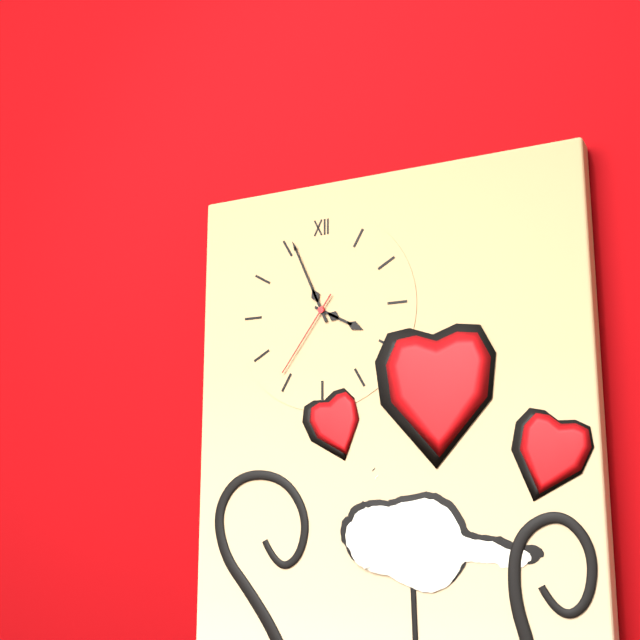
3,56,36
